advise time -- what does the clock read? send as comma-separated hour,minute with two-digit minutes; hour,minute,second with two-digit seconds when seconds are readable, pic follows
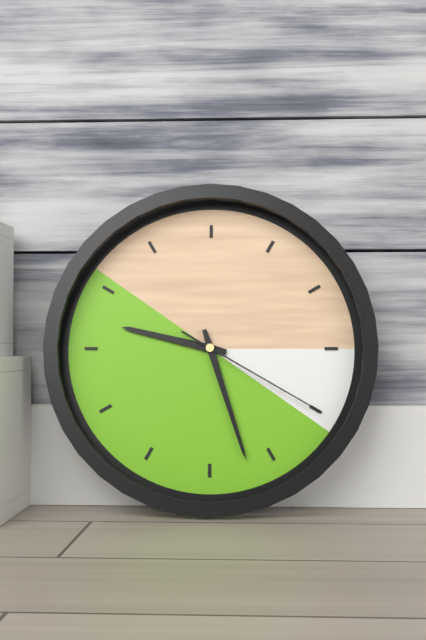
9,27,20
